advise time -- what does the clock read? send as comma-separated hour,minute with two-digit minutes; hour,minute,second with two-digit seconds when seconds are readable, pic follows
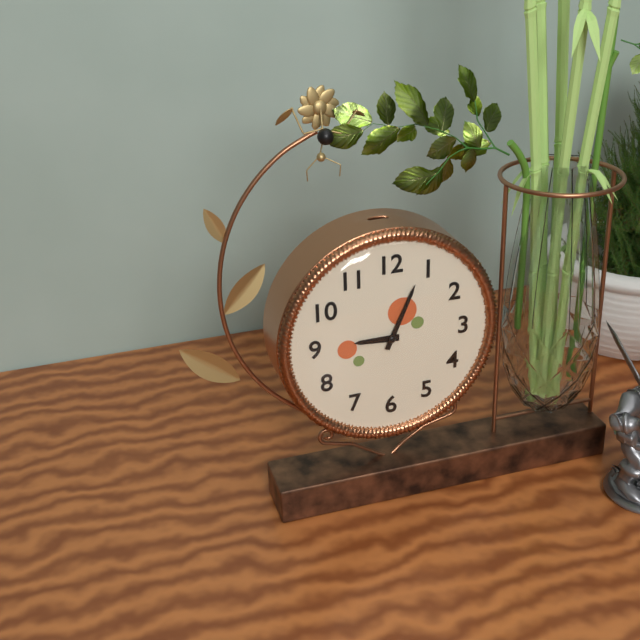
9,04
